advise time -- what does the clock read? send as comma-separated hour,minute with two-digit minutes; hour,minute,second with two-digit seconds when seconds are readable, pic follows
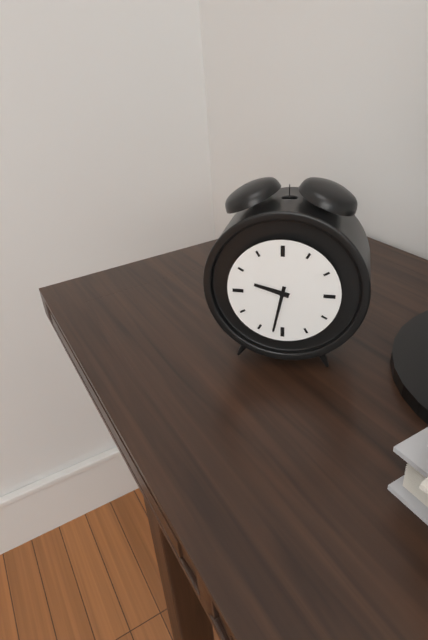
9,32
